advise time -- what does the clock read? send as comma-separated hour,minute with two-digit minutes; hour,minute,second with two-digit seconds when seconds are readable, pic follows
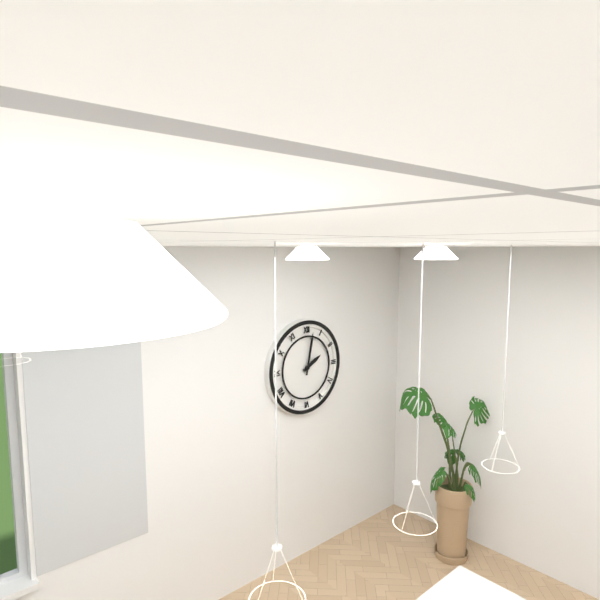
2,02
